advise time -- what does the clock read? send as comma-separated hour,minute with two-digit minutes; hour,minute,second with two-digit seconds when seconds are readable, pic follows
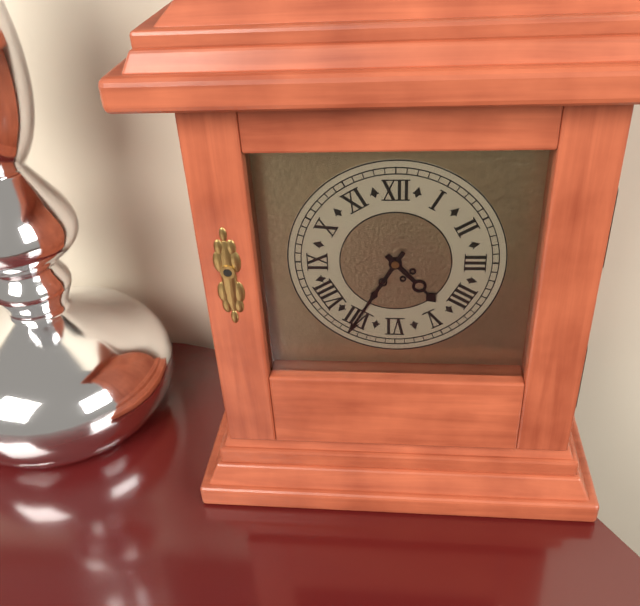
4,35
